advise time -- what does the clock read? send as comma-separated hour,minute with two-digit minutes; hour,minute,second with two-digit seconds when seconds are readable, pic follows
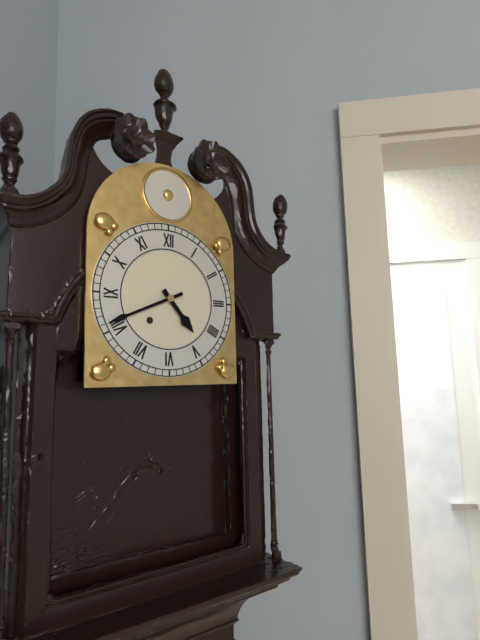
4,41
